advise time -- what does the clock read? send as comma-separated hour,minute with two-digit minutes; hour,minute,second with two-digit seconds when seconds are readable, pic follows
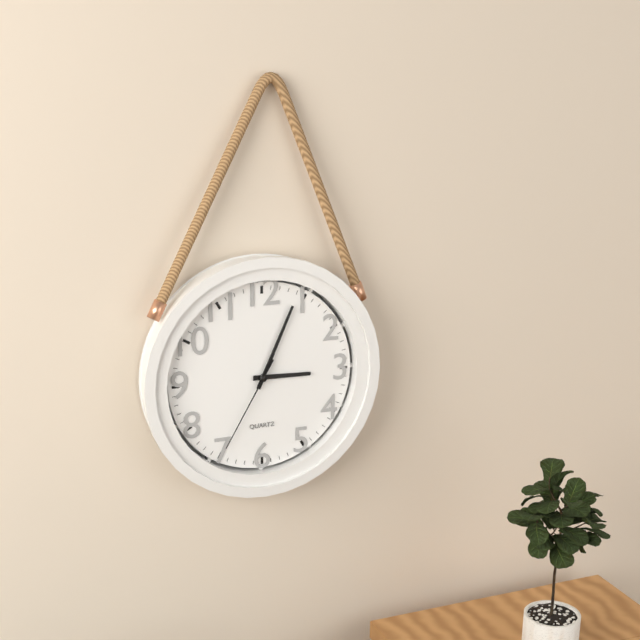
3,04,35
